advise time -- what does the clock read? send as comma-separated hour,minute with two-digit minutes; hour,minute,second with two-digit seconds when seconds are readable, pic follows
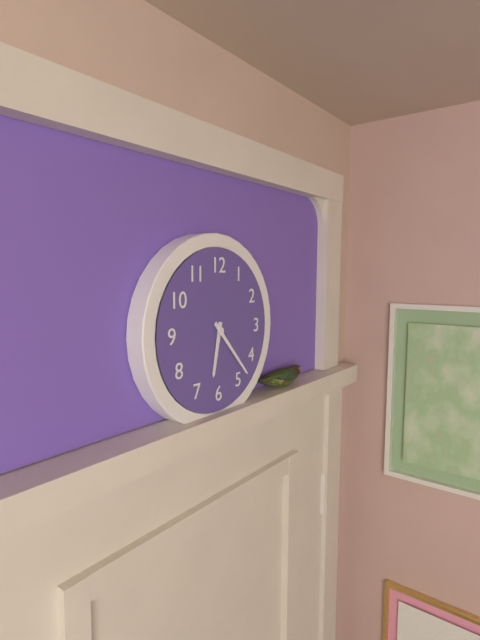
6,23
